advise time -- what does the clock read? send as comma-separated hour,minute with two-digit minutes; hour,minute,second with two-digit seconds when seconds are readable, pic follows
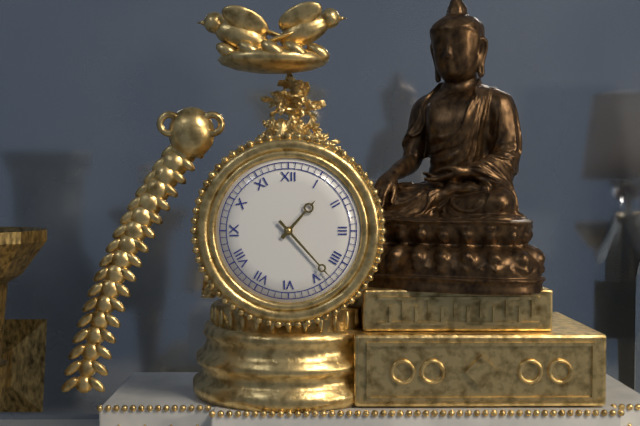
1,23
